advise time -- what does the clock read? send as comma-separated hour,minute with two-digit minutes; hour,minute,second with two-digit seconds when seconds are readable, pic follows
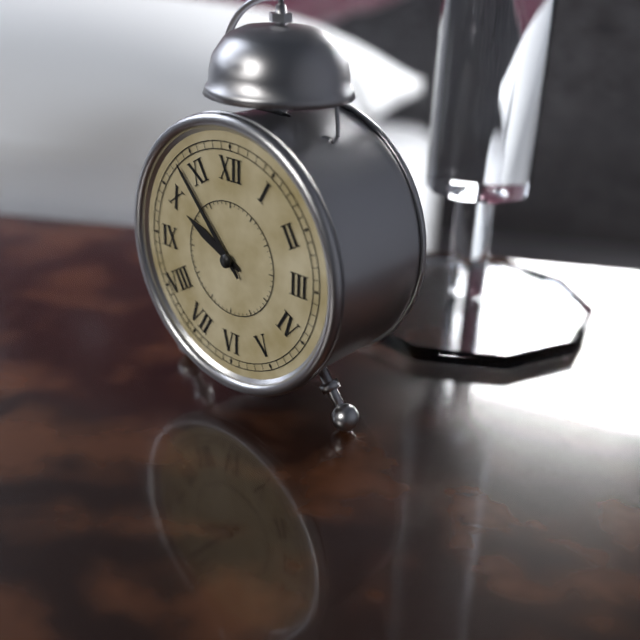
9,53
